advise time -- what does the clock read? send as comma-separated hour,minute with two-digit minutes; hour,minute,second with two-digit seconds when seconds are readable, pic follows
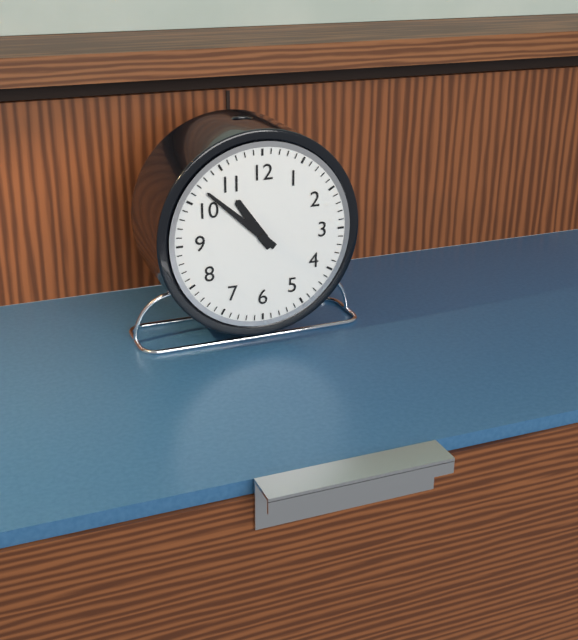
10,52
